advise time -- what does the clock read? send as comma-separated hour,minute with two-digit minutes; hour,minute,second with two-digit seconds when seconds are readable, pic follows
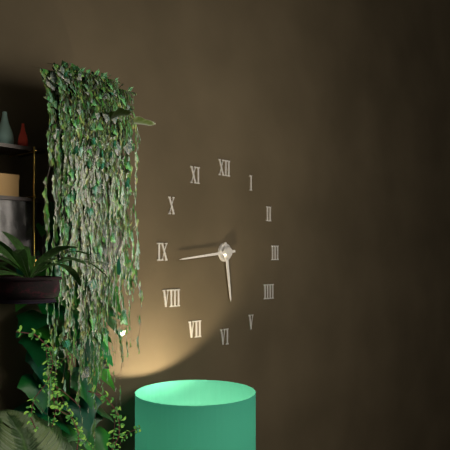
5,44
